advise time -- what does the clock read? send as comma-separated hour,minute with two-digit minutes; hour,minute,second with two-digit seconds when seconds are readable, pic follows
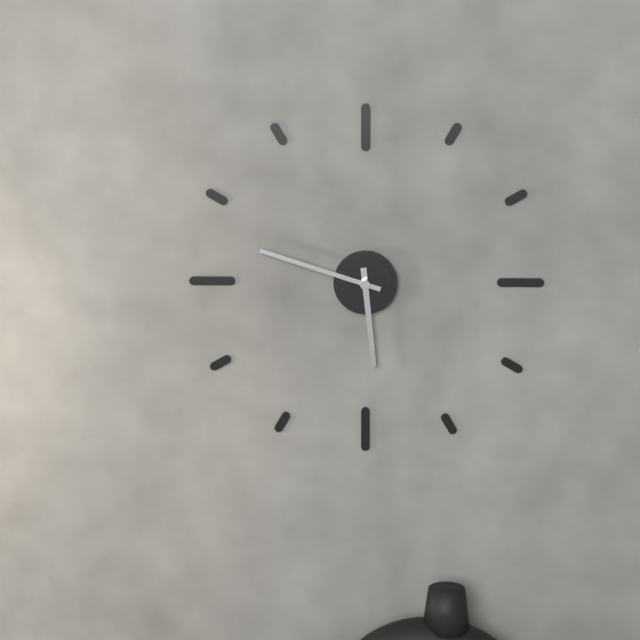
5,48
